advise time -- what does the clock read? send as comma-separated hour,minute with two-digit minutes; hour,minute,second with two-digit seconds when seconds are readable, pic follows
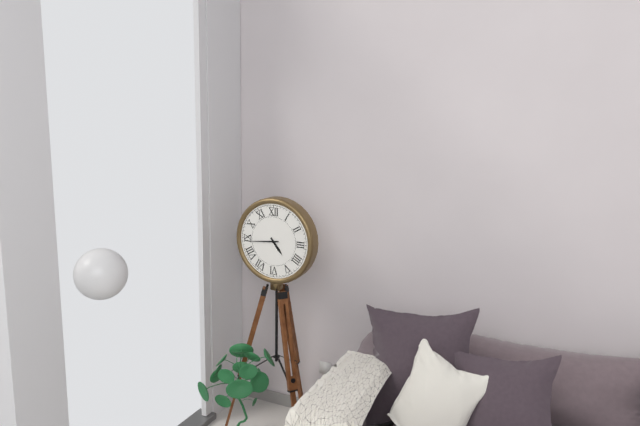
4,44
